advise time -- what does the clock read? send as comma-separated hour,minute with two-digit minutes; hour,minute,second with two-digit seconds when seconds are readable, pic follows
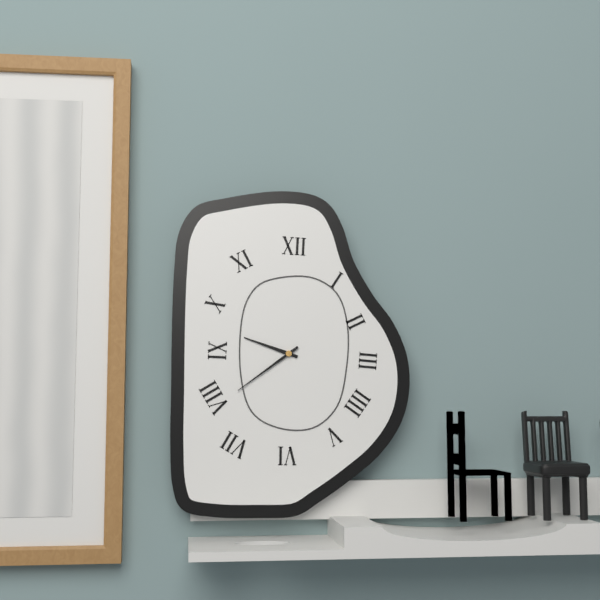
9,39
